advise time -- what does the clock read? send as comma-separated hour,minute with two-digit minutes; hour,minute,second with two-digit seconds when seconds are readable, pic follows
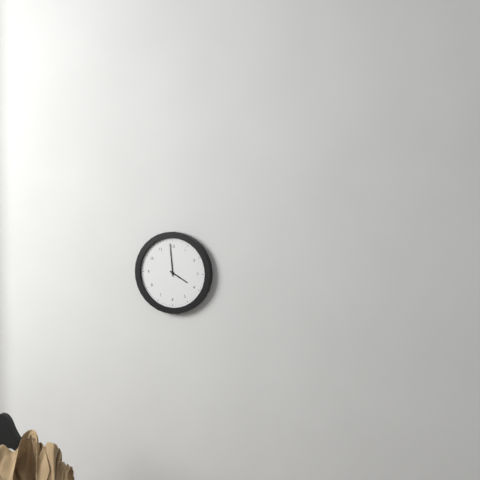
3,59
